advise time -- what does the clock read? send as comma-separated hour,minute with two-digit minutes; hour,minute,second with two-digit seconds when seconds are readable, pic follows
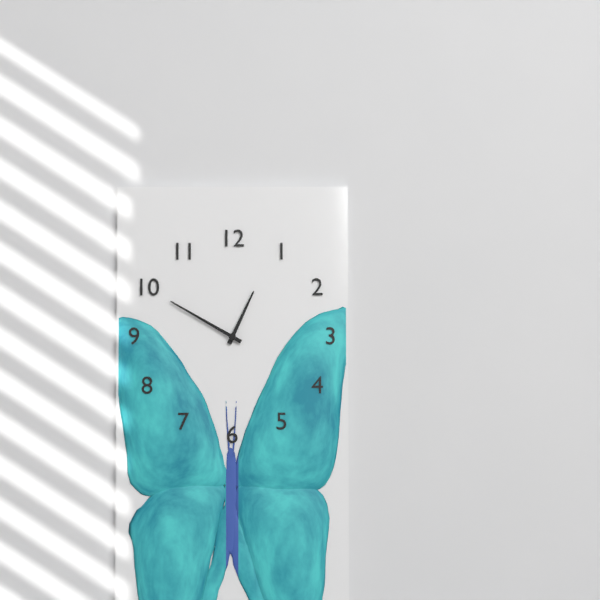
12,50
